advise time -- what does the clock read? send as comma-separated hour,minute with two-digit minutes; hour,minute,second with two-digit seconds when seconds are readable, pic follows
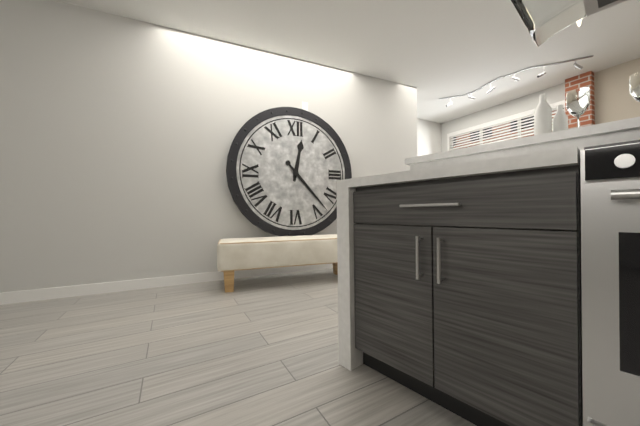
12,23
